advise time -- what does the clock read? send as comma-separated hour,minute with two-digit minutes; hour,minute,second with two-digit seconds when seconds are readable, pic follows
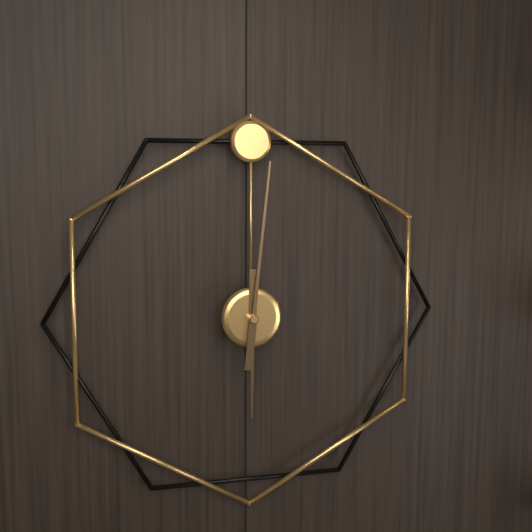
6,01
